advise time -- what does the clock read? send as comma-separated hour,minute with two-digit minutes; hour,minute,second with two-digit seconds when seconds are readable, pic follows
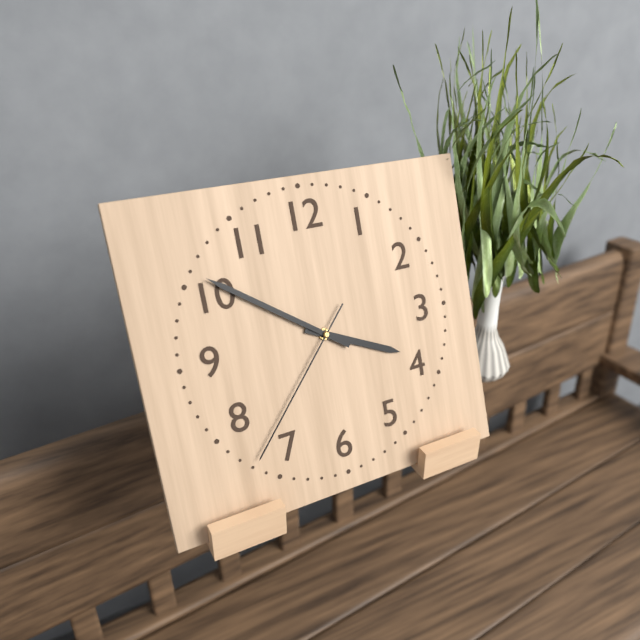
3,51,37
